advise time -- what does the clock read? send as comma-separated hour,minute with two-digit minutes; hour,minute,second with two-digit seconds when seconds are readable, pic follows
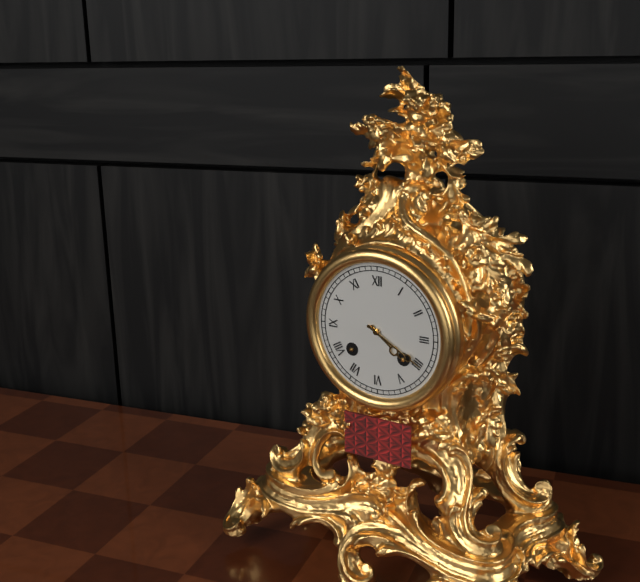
4,20
